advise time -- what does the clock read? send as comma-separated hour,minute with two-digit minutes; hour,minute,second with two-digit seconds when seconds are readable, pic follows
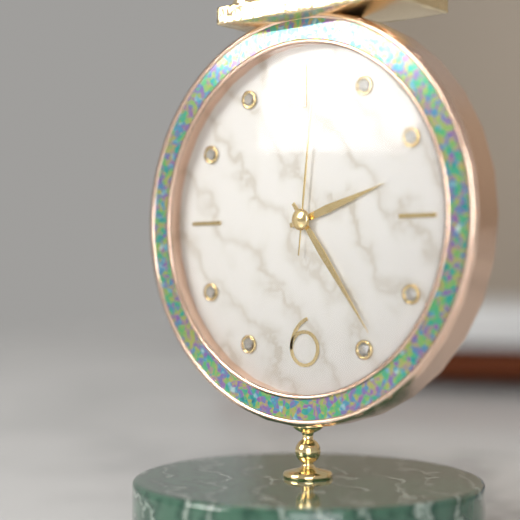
2,24,01
